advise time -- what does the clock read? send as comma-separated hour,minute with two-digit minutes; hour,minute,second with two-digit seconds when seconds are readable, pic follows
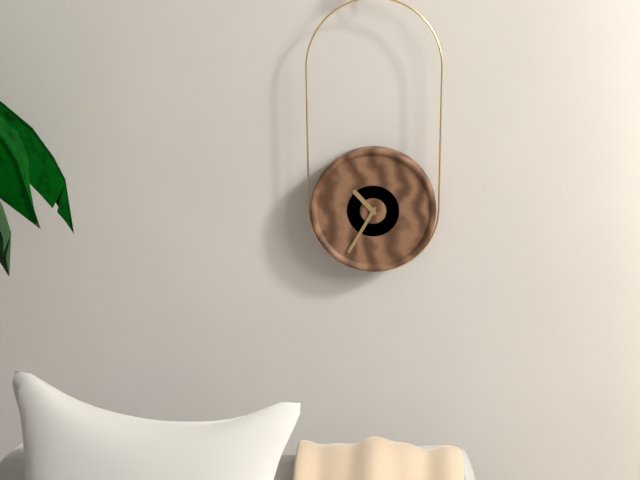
10,35
